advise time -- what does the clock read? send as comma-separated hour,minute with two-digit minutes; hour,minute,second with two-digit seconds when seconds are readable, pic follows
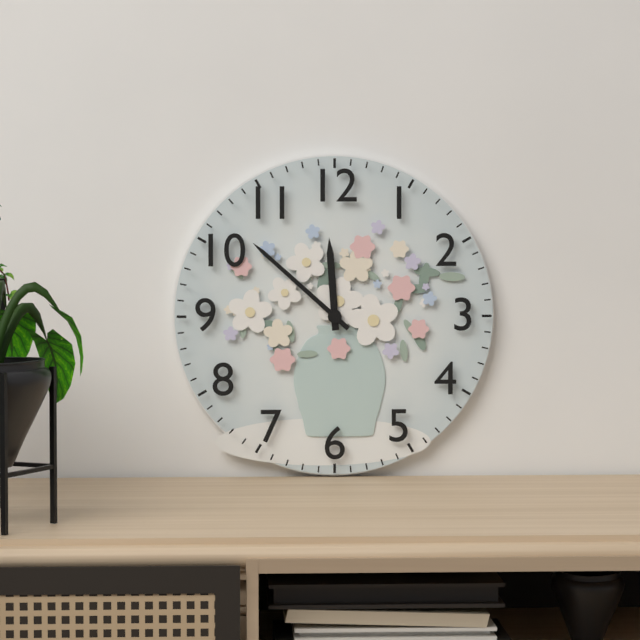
11,52
